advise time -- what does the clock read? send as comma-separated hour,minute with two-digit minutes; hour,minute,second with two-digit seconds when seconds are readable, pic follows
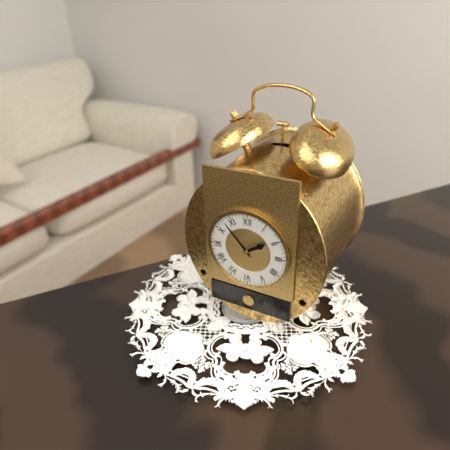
1,53
